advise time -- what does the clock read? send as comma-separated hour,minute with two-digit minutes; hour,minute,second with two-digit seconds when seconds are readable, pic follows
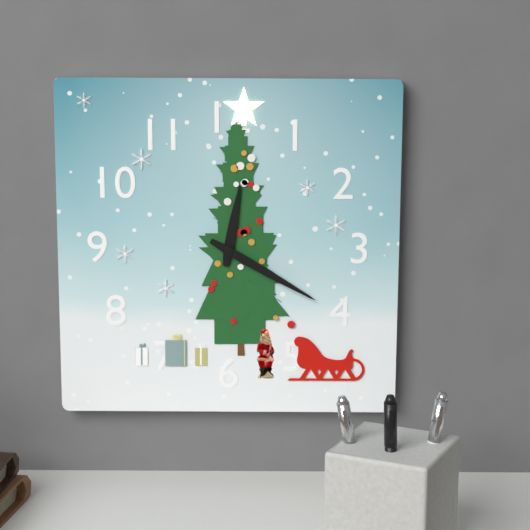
12,20
